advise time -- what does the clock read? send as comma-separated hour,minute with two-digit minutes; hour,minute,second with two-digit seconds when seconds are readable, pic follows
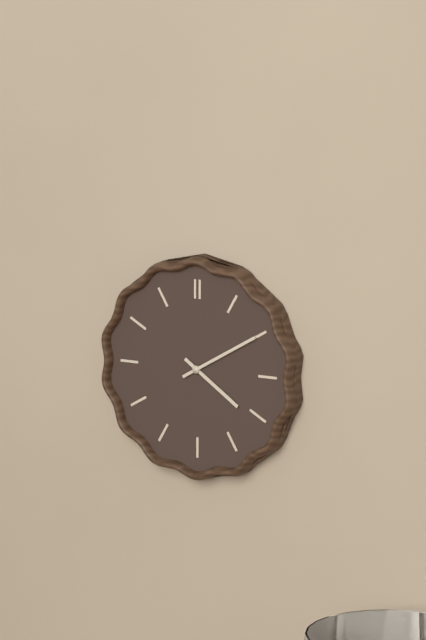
4,10
